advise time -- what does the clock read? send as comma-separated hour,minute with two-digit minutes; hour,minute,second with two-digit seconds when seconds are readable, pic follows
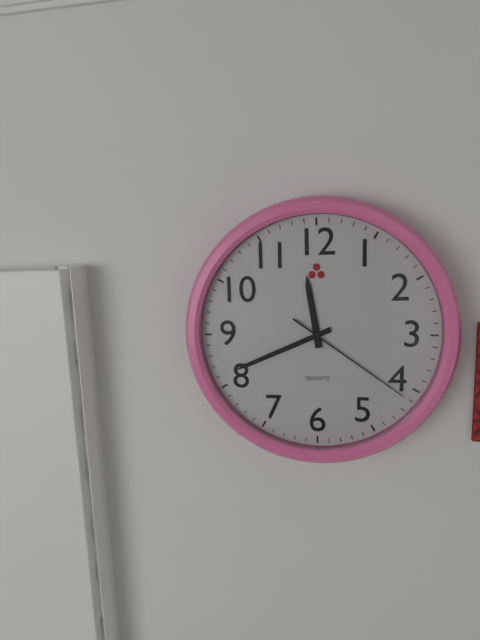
11,41,21
